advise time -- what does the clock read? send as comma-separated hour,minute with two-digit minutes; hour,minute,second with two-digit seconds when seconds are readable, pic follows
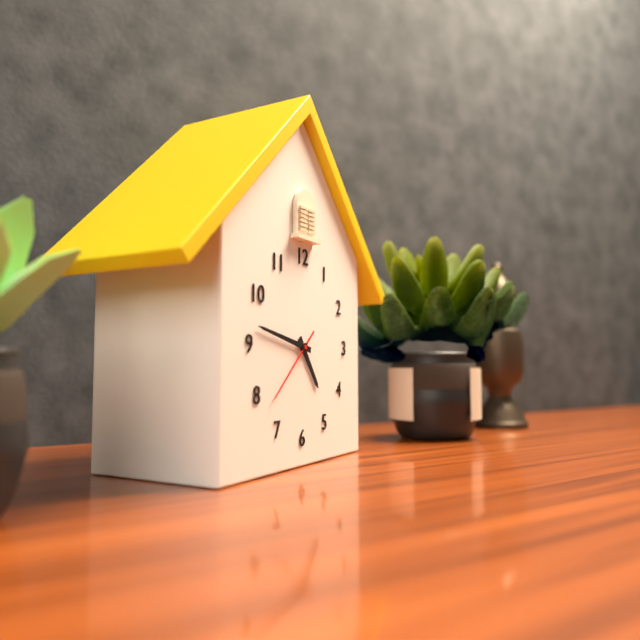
4,47,38
